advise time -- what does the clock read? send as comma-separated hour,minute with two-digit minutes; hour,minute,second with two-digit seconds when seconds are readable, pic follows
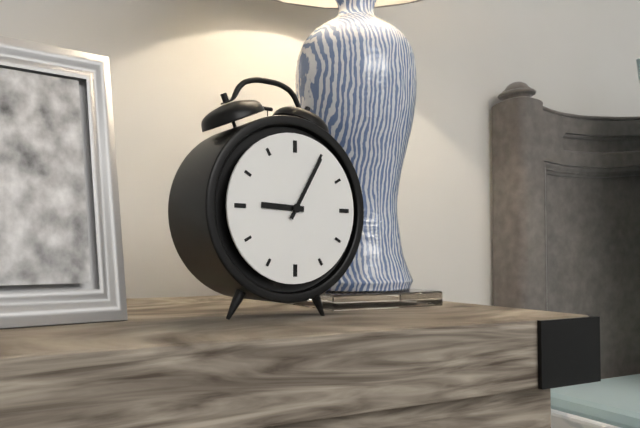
9,05
